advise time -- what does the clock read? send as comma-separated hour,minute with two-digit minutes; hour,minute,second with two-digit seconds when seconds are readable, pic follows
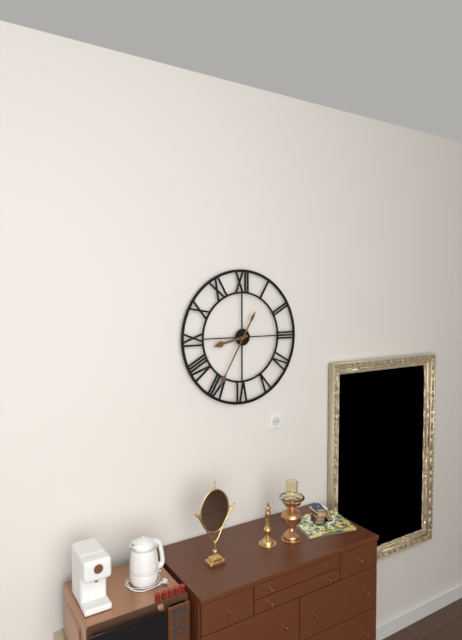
8,35
